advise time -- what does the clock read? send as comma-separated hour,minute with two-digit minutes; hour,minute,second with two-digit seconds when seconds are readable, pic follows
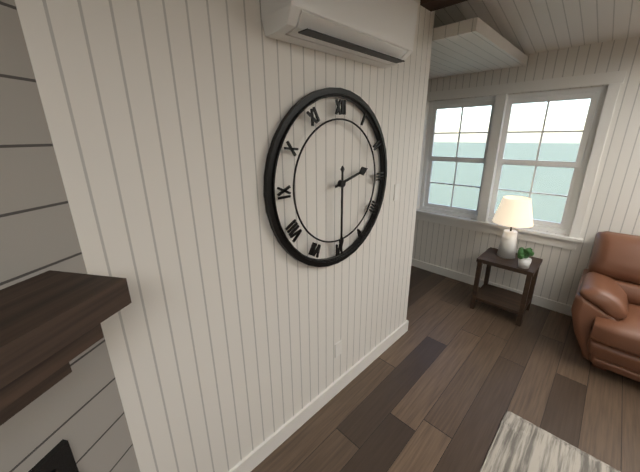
2,30
